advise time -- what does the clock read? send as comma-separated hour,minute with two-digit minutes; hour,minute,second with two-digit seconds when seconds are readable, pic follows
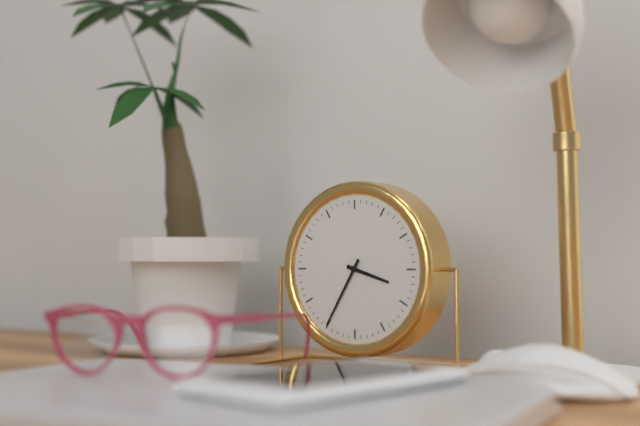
3,35
